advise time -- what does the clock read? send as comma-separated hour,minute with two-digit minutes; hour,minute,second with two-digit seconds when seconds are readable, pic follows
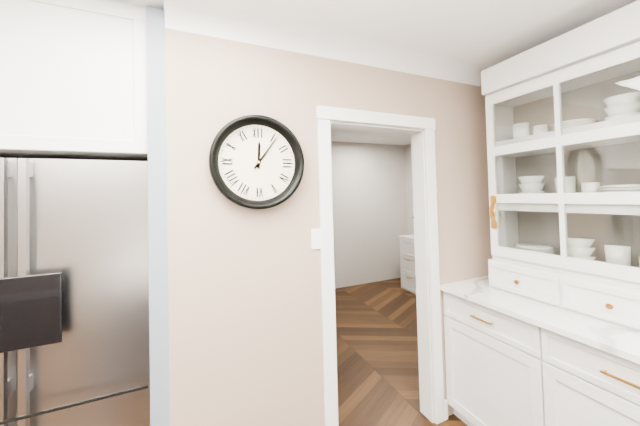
12,06
